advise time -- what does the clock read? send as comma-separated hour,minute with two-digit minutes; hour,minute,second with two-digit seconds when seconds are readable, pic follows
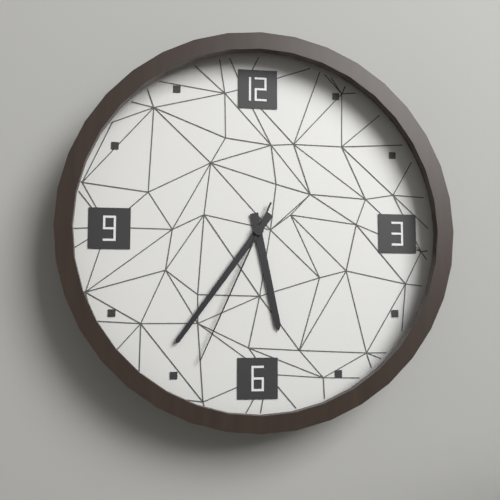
5,36,34
